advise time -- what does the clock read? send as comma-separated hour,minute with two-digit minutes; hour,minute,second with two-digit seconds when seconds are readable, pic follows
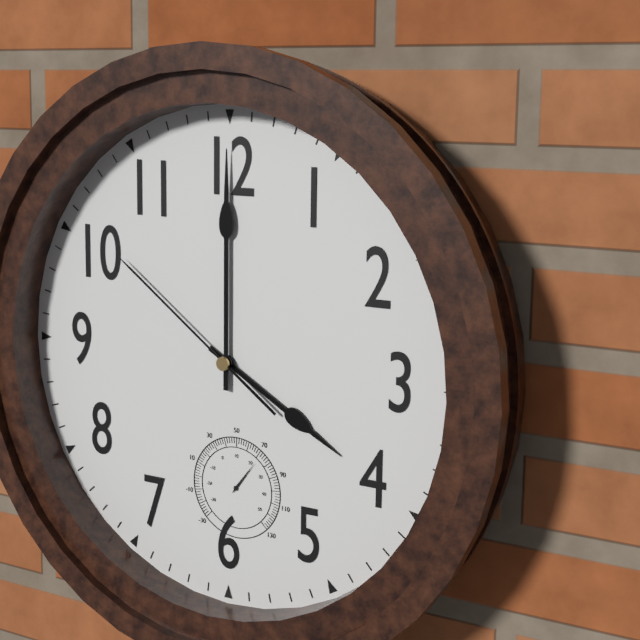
4,00,51
